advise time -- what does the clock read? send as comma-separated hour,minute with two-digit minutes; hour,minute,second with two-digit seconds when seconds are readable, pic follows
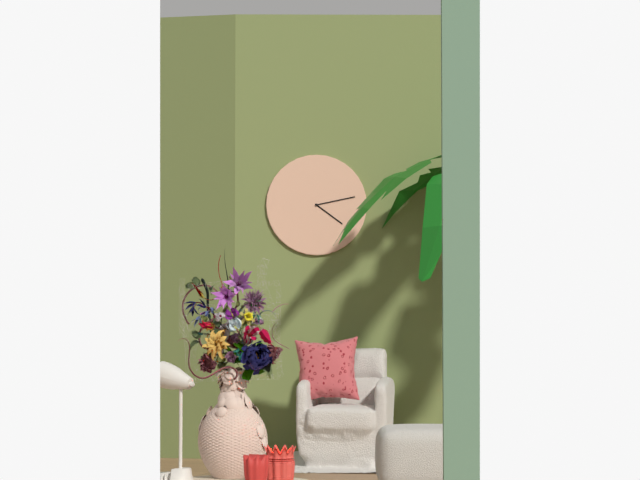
4,13
